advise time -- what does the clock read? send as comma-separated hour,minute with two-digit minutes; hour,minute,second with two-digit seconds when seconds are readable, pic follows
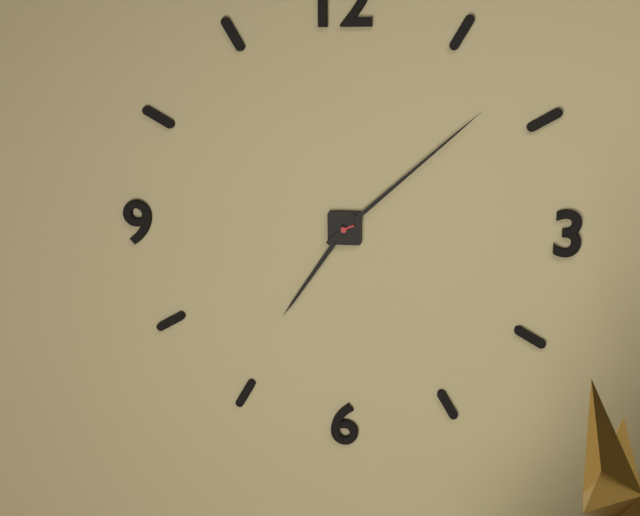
7,08
